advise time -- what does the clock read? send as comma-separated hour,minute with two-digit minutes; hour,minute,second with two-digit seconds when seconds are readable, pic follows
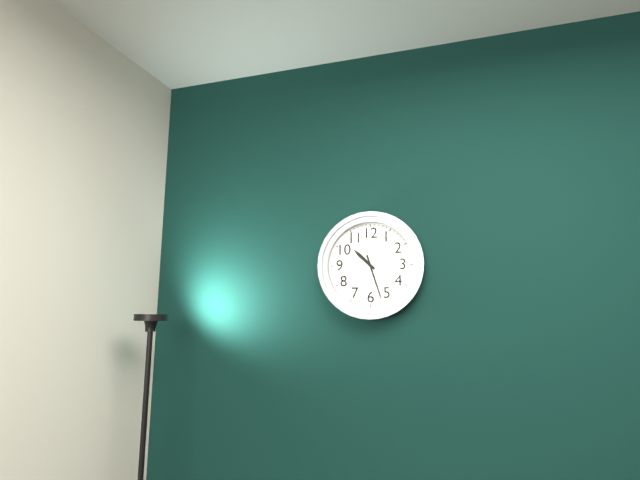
10,27
